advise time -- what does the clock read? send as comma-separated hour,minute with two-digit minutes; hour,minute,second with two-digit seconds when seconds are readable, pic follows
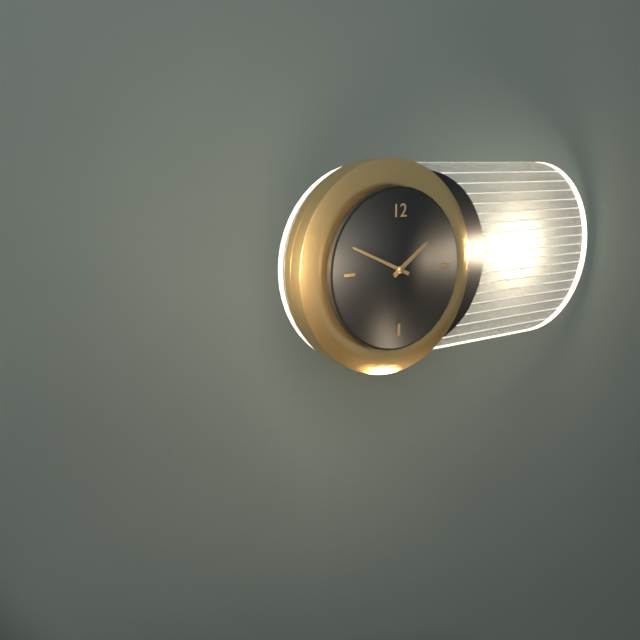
1,49
